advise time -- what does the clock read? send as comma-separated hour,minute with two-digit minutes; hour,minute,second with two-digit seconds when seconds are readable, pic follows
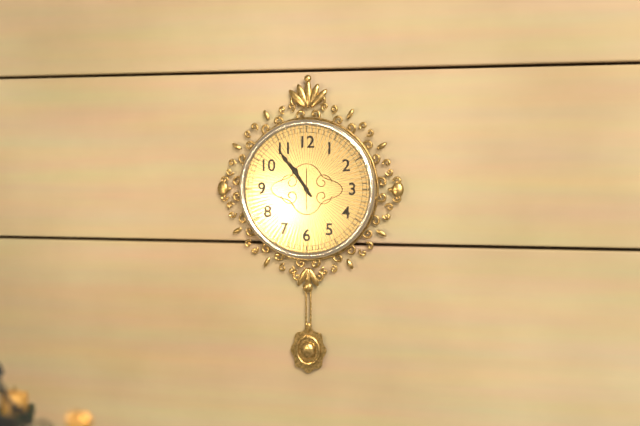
10,54
